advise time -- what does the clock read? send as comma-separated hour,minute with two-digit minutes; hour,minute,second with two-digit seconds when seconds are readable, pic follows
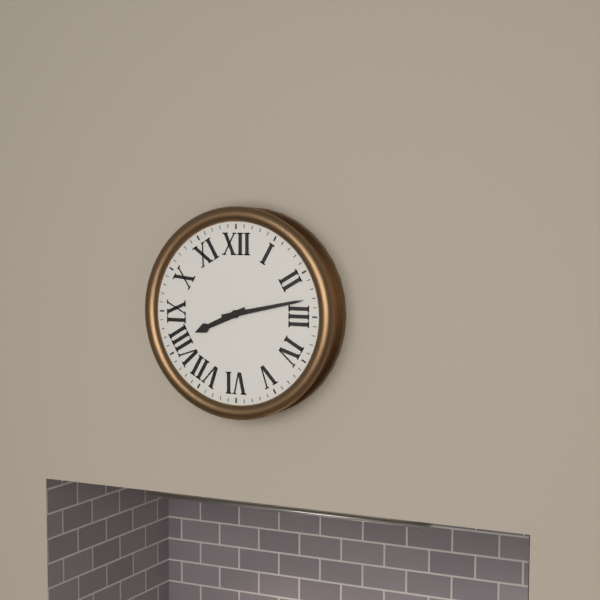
8,13
